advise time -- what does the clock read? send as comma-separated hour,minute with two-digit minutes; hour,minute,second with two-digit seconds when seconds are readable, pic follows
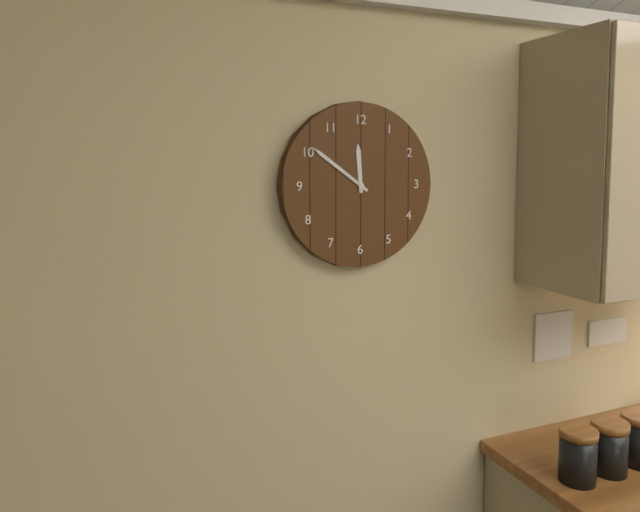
11,51
